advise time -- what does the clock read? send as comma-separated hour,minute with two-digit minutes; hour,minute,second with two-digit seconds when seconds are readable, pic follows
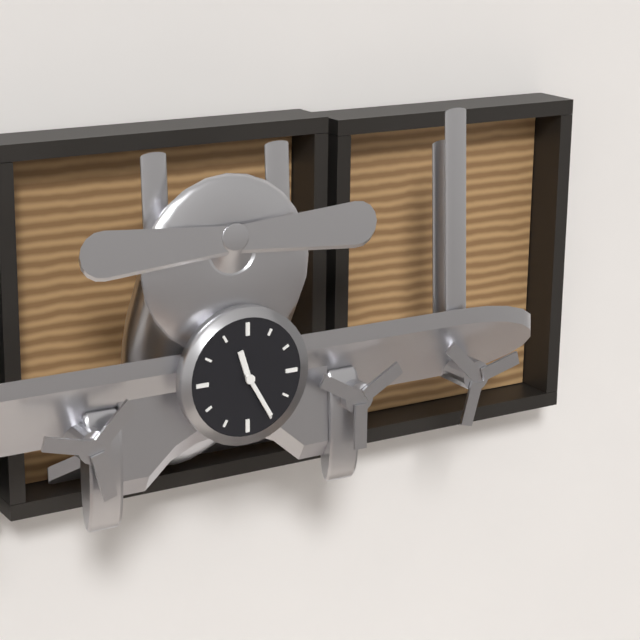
11,25
